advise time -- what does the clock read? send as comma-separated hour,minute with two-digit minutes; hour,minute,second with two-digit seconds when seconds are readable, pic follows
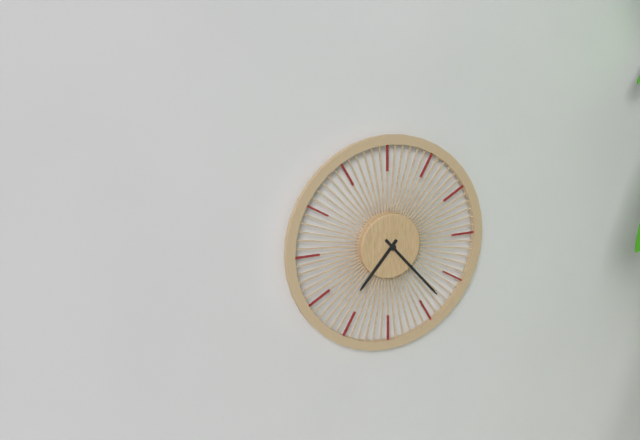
7,23
